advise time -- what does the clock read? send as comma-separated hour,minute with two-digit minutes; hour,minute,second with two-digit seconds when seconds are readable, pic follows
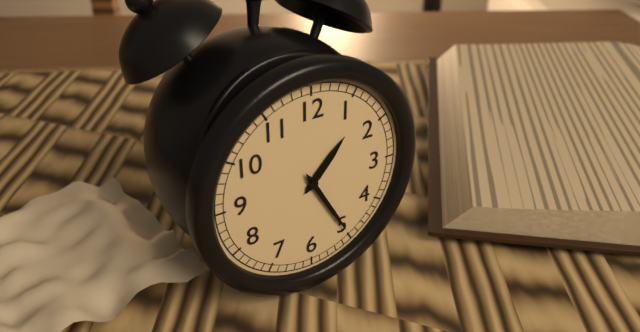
1,25
